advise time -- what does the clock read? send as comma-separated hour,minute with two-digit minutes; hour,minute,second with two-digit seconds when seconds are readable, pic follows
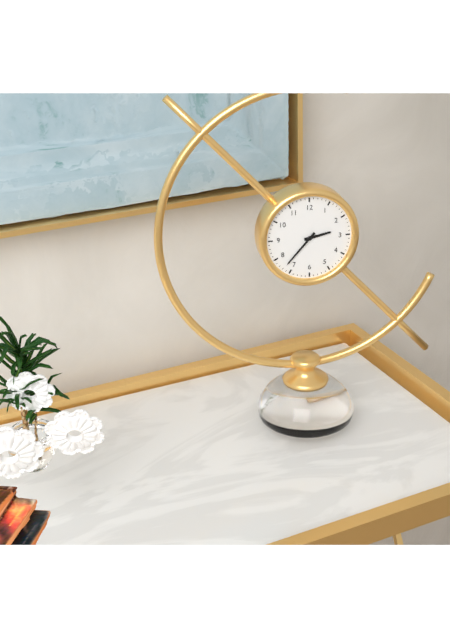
2,37
